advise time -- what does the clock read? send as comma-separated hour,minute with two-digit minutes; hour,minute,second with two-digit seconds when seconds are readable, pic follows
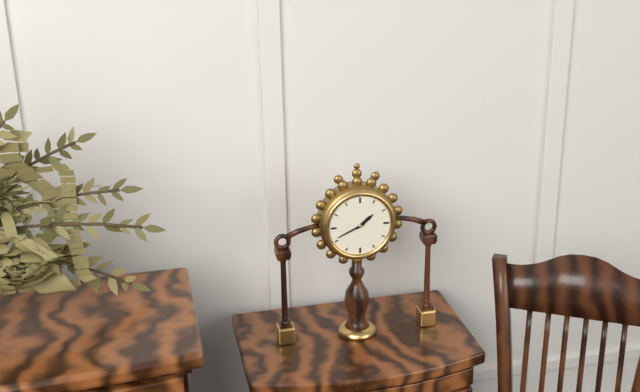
1,41
